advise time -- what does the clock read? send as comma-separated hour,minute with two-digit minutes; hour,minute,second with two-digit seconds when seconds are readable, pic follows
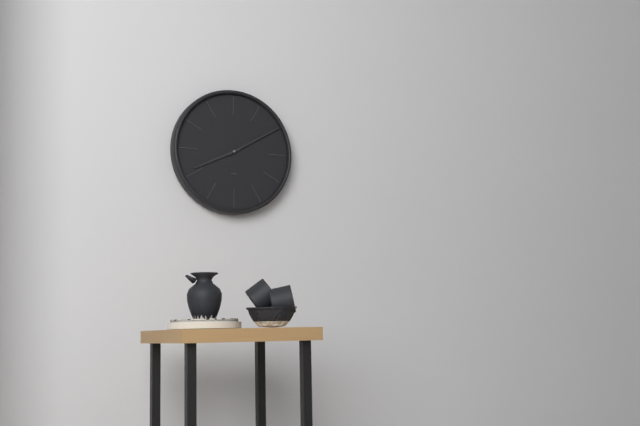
8,10
